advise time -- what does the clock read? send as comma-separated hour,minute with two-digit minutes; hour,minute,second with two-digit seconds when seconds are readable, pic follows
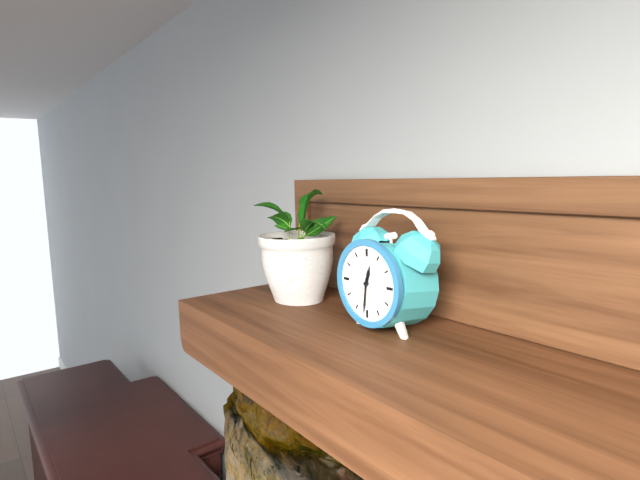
12,31
